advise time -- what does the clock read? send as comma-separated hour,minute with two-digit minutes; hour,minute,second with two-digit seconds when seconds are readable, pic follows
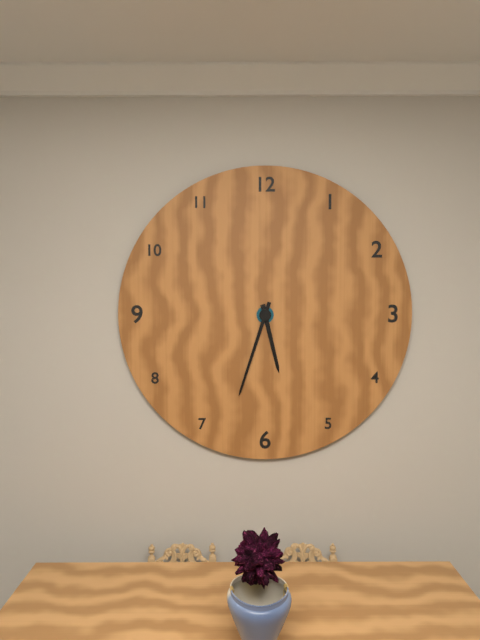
5,33
